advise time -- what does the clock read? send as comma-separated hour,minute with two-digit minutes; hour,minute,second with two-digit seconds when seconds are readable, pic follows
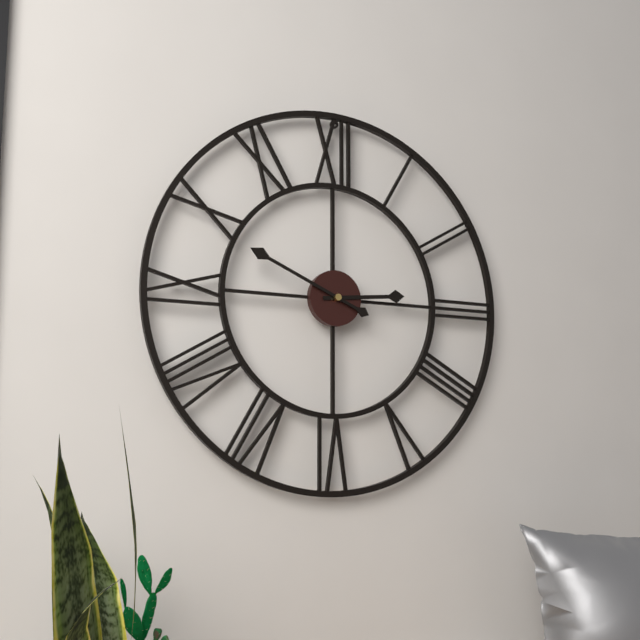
2,49
